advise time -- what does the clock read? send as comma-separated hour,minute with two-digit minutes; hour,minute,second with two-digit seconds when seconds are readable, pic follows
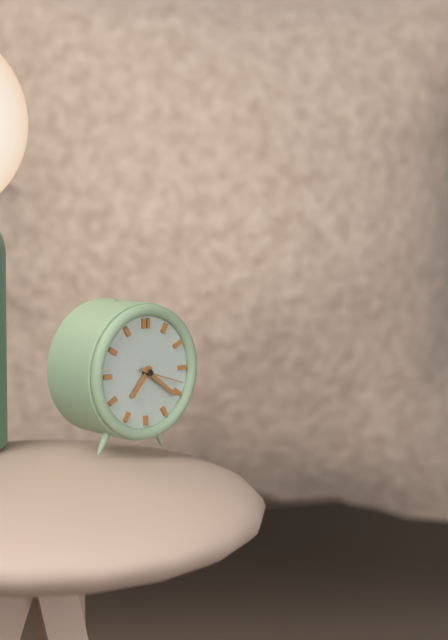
7,21
